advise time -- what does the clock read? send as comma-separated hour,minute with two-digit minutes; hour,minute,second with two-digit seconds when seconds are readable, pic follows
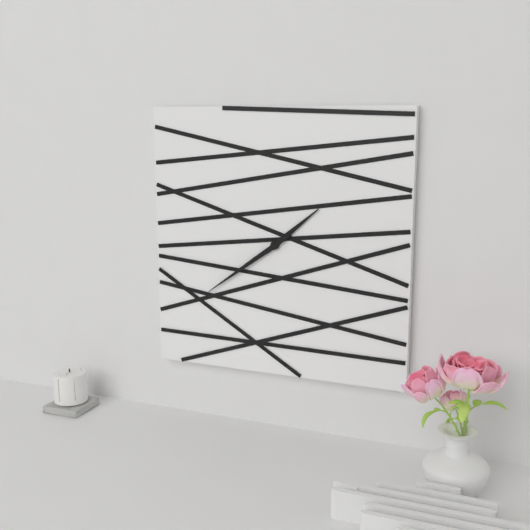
1,39
